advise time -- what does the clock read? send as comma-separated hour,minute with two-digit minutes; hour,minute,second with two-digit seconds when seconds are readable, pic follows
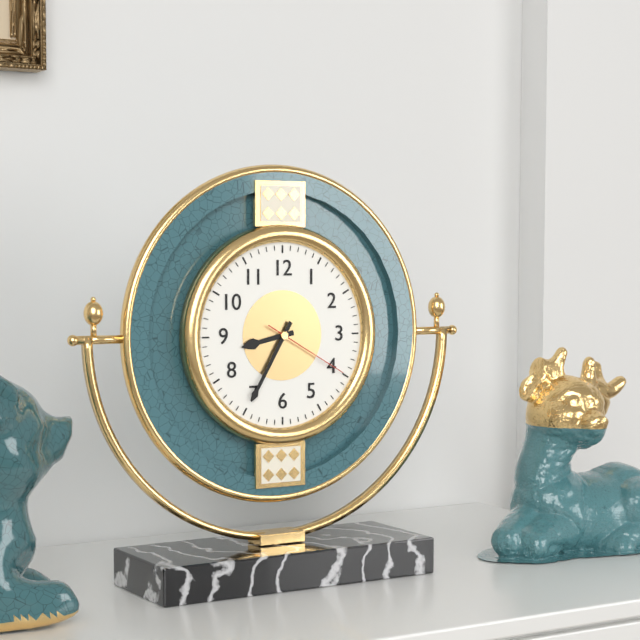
8,35,20
